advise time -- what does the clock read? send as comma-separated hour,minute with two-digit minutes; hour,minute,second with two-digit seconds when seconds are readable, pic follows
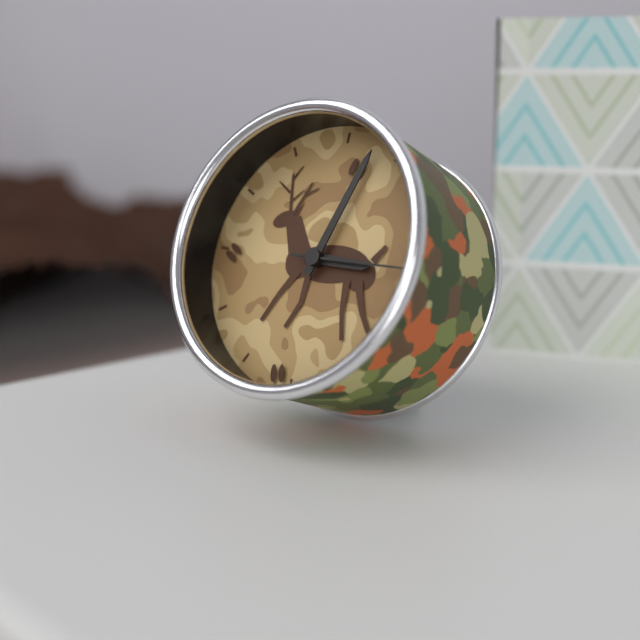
3,03,15
